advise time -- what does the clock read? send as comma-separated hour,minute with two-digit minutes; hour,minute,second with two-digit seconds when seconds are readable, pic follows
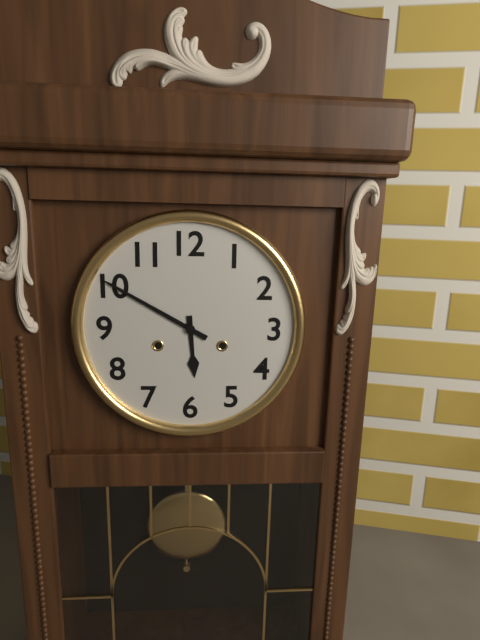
5,50
